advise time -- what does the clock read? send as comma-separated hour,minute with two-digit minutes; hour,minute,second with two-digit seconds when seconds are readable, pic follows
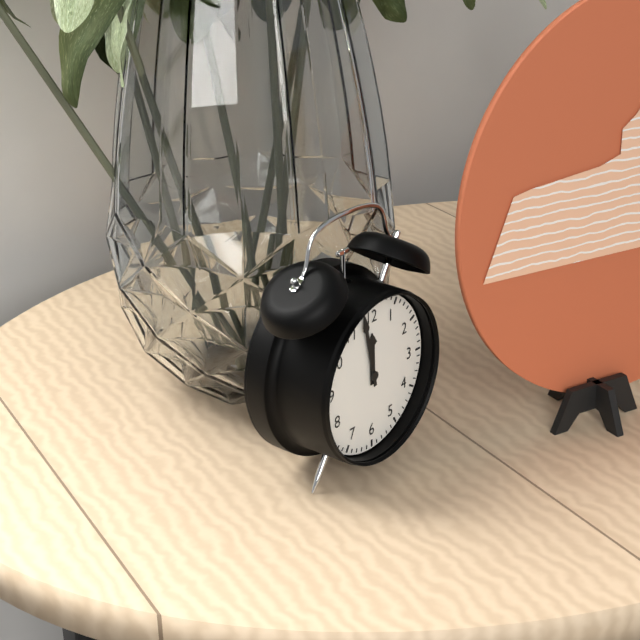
11,58
